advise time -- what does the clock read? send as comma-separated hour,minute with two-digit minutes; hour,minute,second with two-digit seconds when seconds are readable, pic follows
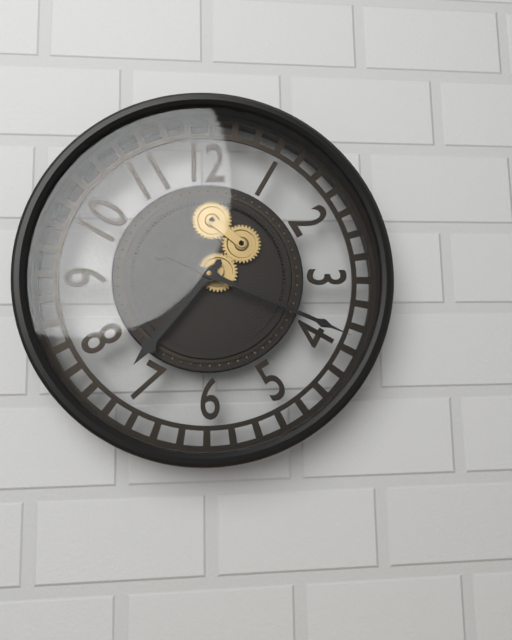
7,19
